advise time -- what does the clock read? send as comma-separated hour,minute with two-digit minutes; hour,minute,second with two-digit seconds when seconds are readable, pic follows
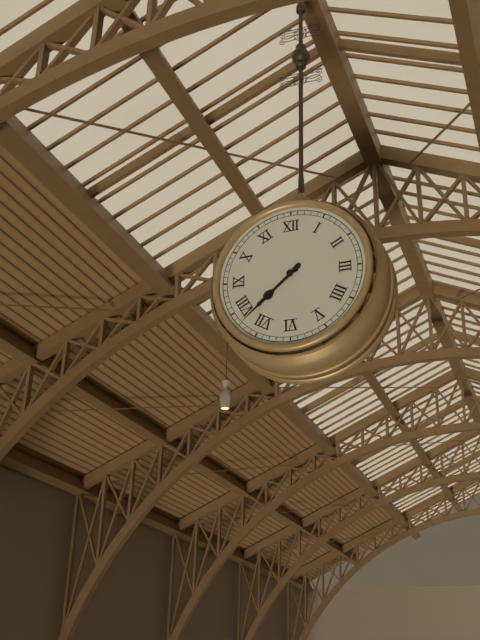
7,38
